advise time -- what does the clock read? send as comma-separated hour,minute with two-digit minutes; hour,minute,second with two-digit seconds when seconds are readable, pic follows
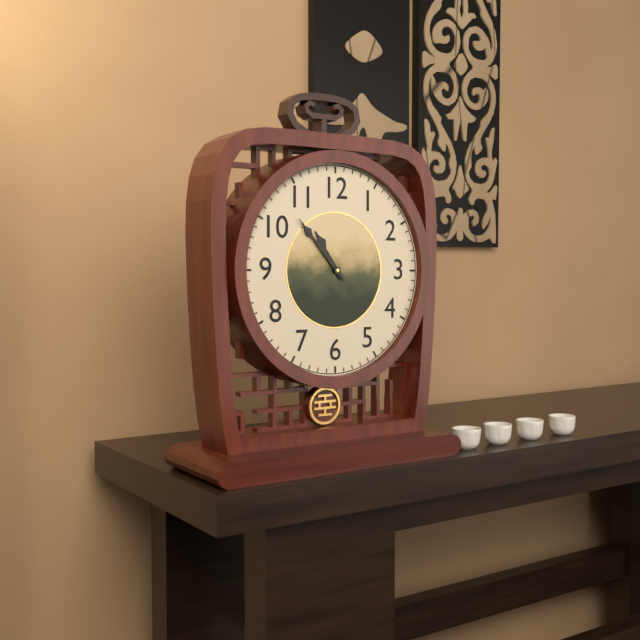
10,53
